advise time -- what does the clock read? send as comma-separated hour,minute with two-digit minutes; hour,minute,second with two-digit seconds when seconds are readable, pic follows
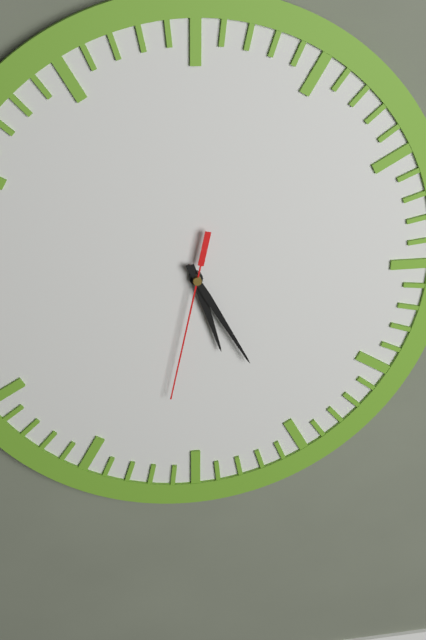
5,25,32
